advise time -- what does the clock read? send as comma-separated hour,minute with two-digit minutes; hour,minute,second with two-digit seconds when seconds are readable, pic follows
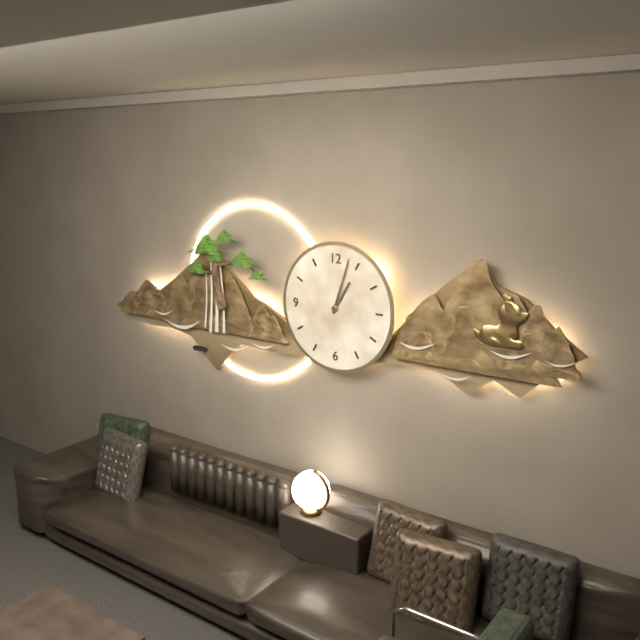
1,03
